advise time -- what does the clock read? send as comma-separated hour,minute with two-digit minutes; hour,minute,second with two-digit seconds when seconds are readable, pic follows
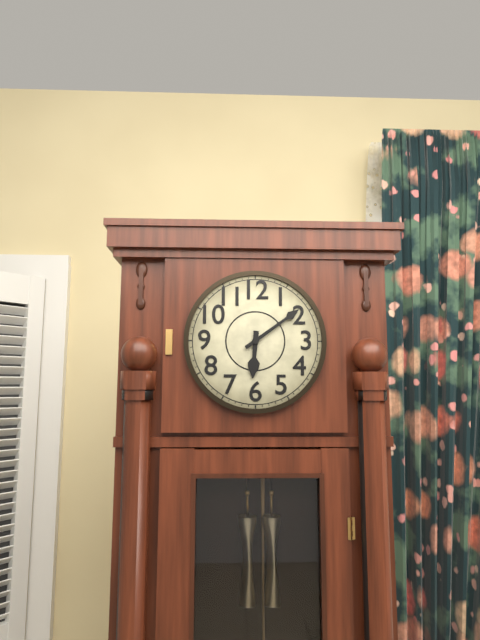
6,09
